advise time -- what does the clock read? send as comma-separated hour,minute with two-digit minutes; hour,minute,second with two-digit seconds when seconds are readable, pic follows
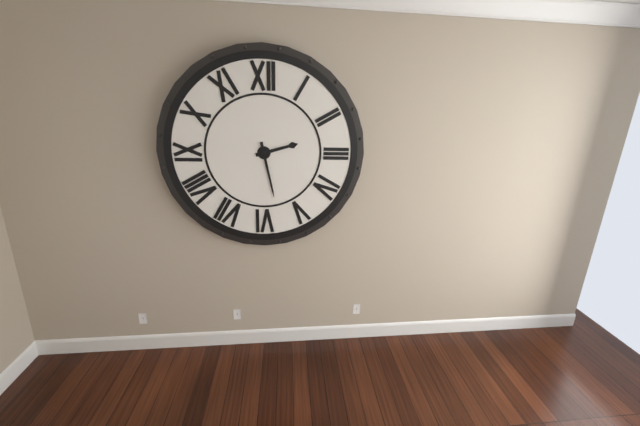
2,28
